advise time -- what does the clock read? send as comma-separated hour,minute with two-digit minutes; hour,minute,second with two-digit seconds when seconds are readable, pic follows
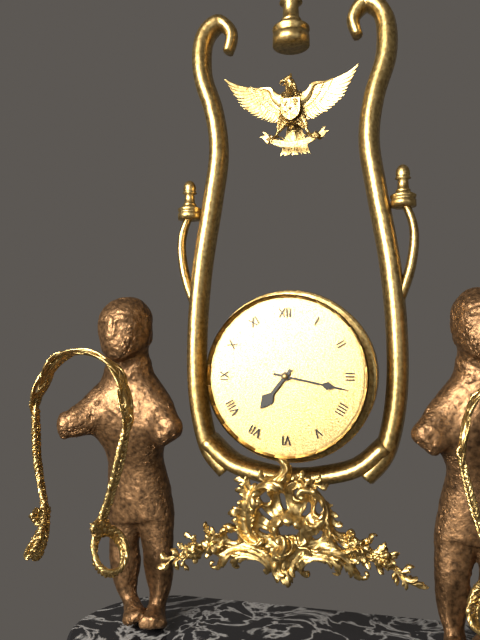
7,17
